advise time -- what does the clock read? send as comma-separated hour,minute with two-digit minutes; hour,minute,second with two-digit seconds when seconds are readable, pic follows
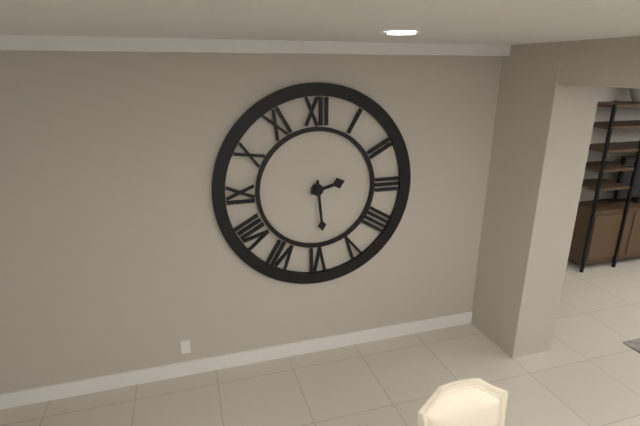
2,29
